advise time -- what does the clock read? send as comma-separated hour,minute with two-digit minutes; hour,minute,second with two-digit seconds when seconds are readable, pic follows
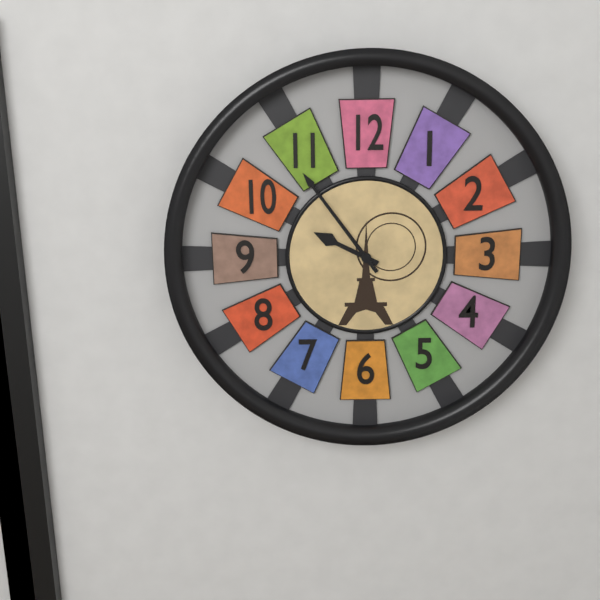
9,54
